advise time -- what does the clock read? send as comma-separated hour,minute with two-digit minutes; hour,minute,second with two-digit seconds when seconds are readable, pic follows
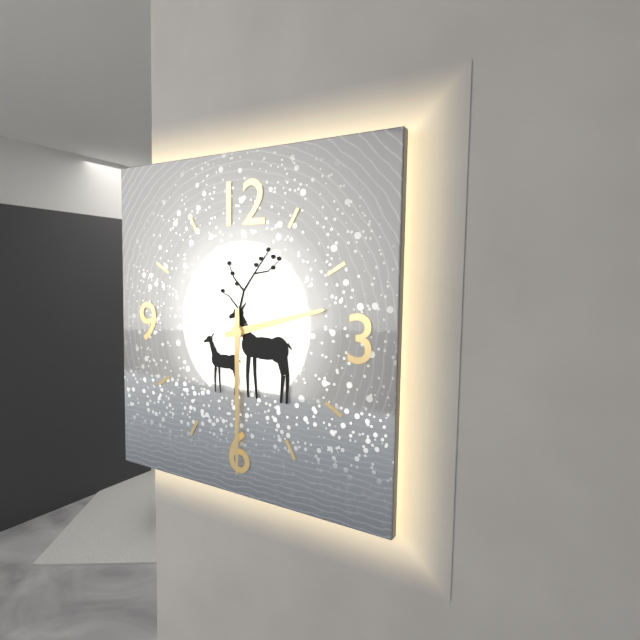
2,30
